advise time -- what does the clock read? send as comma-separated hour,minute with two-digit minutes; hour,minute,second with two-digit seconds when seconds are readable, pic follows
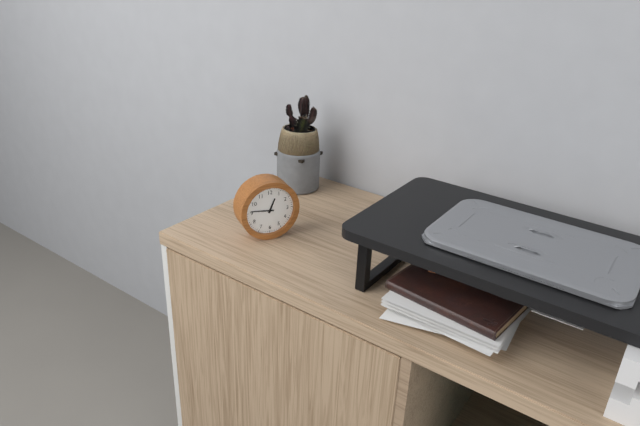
12,46
